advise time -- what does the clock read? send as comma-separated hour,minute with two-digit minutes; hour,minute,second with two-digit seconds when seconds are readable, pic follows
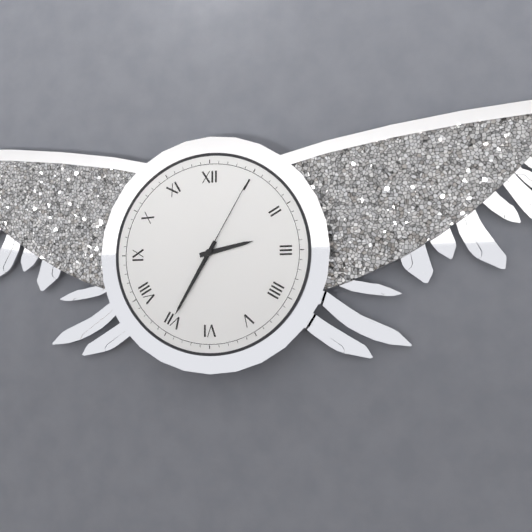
2,35,05
